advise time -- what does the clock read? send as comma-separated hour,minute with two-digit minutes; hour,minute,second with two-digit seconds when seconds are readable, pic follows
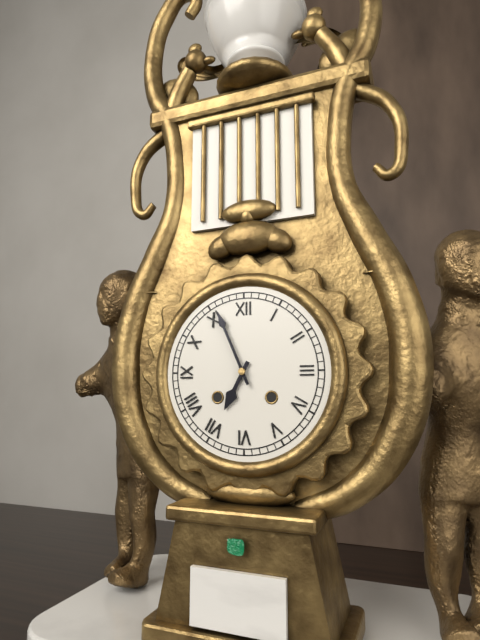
6,56
